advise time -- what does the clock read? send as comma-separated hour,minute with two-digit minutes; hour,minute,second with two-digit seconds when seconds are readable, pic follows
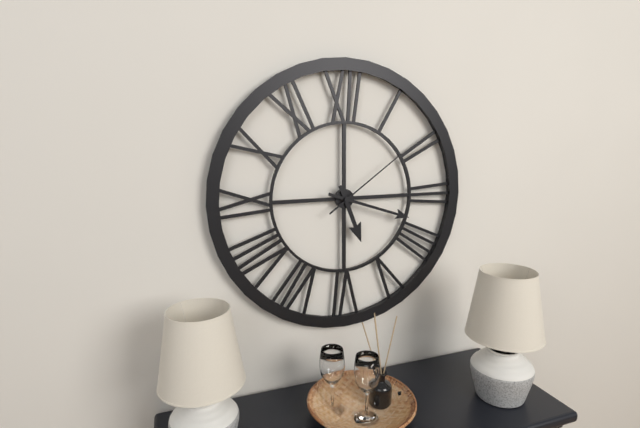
5,18,09
